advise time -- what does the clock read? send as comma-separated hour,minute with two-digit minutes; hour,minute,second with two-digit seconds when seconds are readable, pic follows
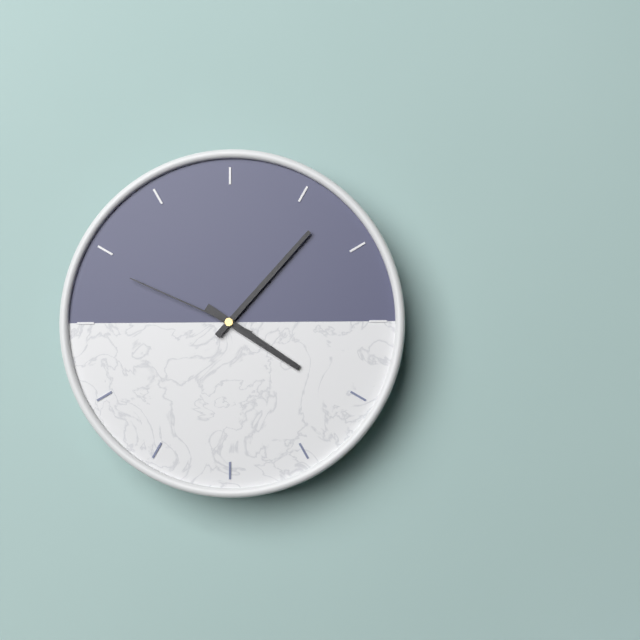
4,07,49
